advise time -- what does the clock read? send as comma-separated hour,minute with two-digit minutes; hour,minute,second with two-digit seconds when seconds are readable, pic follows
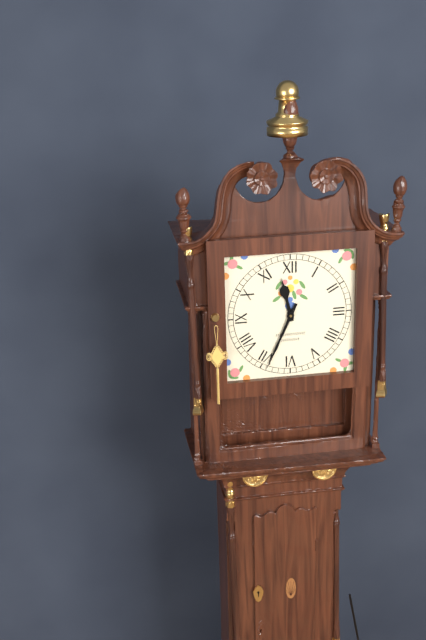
11,34
